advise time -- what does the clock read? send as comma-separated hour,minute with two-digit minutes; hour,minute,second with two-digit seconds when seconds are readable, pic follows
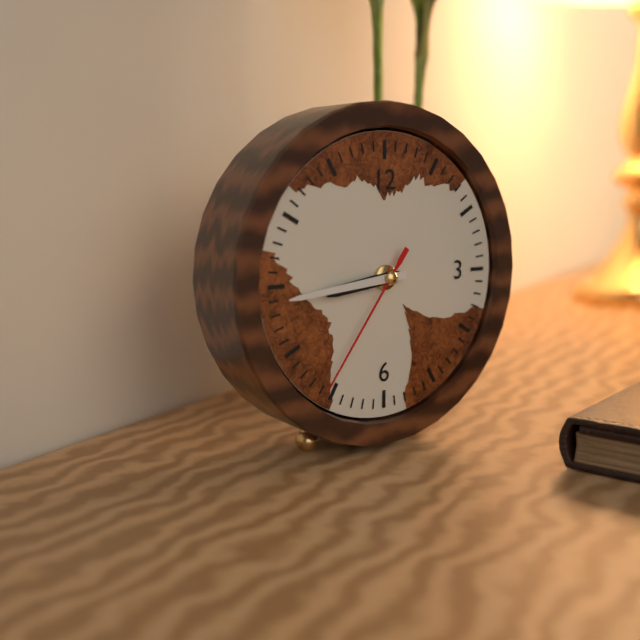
8,44,36
